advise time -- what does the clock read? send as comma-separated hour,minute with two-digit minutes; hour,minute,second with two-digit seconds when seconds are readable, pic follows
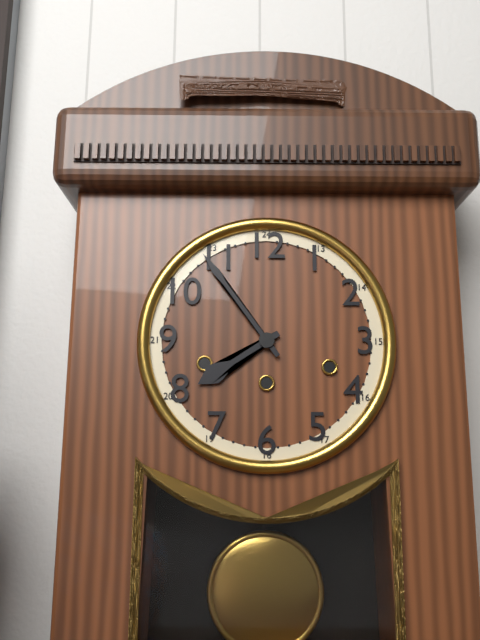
7,54
